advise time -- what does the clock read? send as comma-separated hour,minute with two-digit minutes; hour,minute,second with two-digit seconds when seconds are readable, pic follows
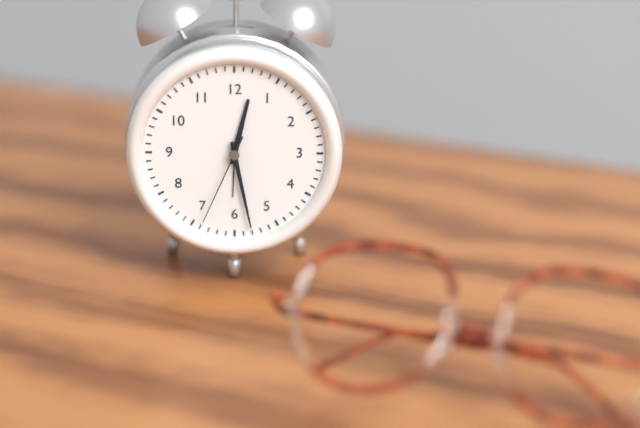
12,28,34
